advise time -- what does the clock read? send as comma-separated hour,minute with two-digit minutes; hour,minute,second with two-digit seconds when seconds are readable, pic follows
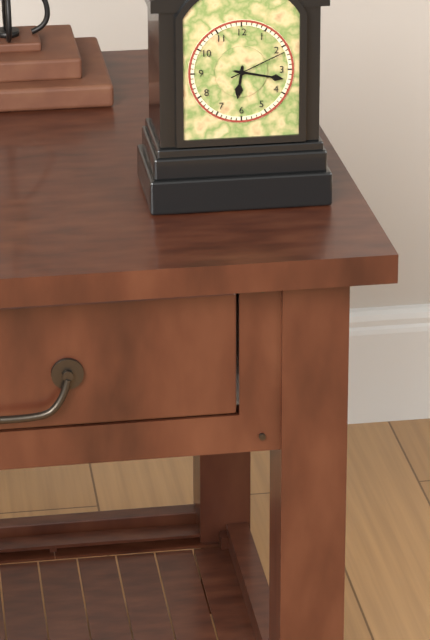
6,17,11
